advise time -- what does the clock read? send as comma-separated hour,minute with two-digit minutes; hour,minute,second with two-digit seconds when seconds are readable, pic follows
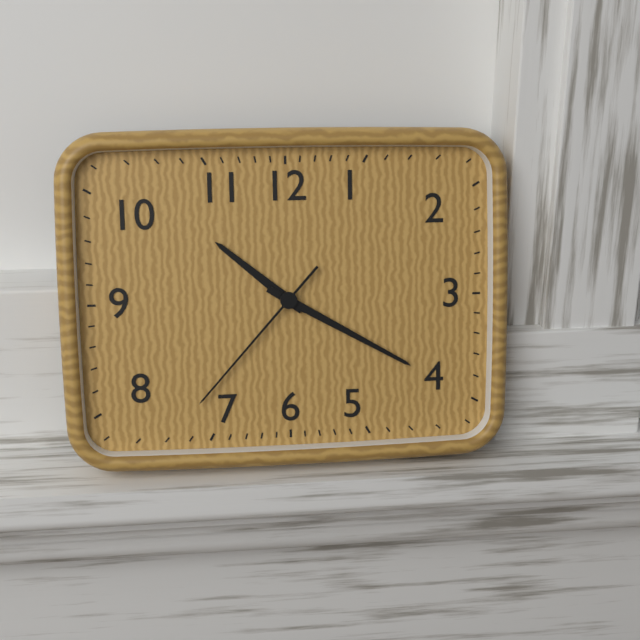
10,20,37
